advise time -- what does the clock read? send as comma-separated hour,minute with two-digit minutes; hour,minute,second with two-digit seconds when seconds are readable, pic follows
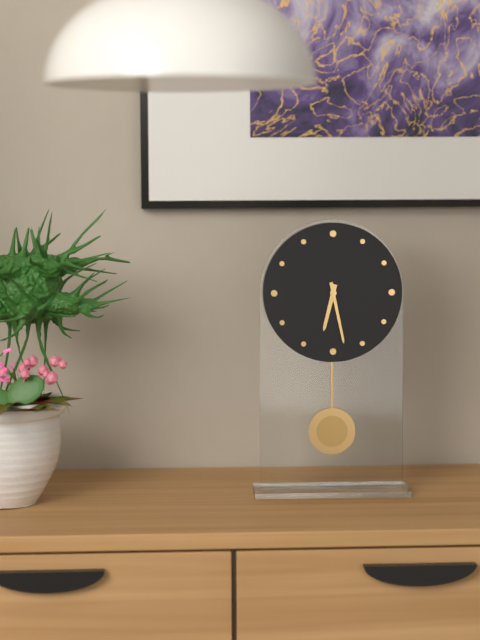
6,28
